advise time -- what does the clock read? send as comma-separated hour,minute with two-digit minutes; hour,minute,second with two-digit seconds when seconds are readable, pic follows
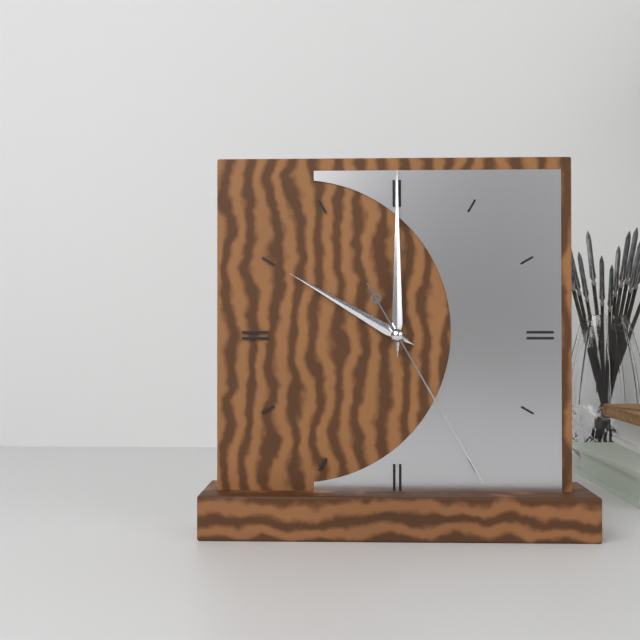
10,00,25
